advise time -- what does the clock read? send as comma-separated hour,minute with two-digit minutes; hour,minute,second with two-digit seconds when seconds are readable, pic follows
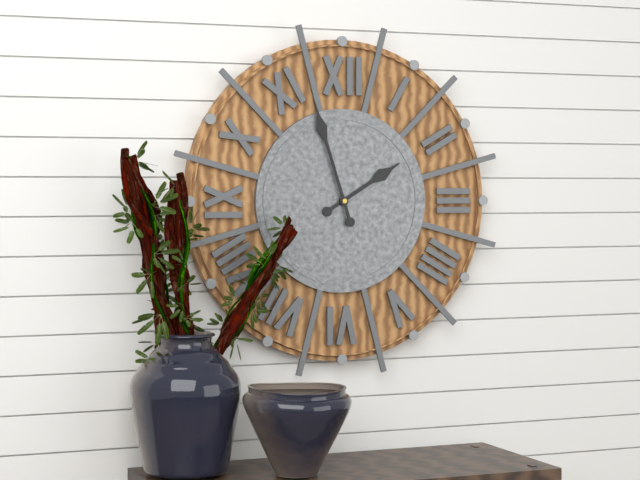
1,57
